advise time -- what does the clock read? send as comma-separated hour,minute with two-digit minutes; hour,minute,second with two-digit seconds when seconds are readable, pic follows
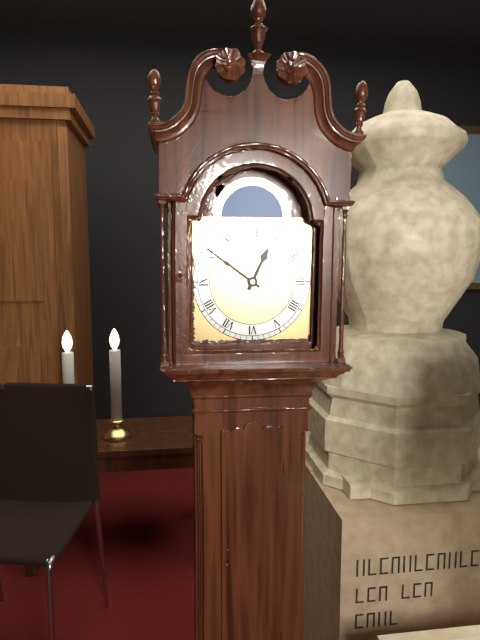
12,51
